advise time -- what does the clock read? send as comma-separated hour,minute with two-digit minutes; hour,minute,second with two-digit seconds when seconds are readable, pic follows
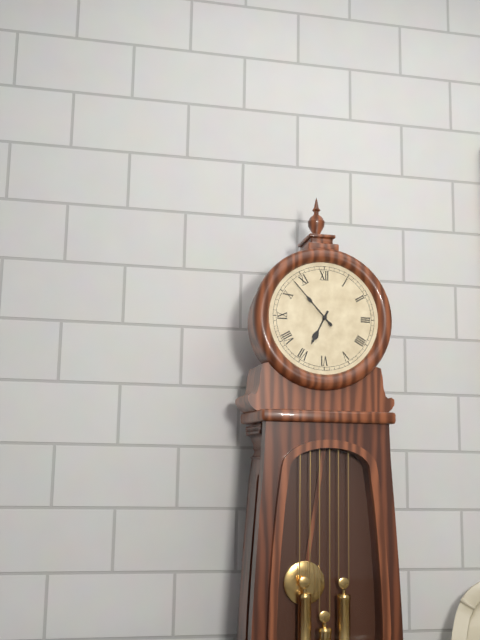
6,53
